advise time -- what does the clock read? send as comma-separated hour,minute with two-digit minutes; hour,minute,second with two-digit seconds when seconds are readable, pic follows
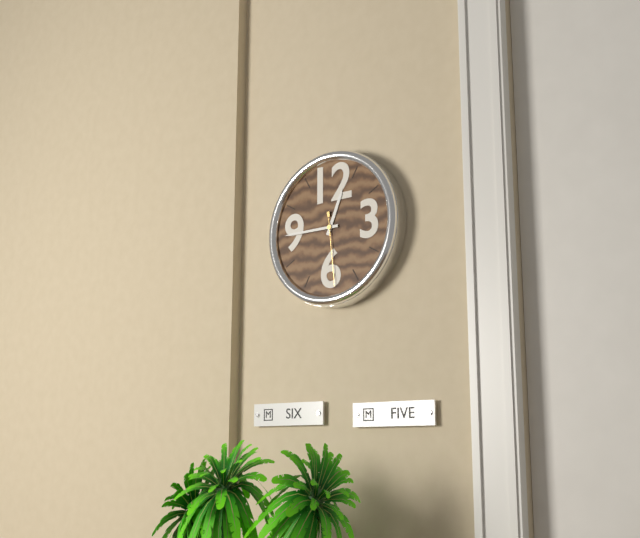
12,45,29
